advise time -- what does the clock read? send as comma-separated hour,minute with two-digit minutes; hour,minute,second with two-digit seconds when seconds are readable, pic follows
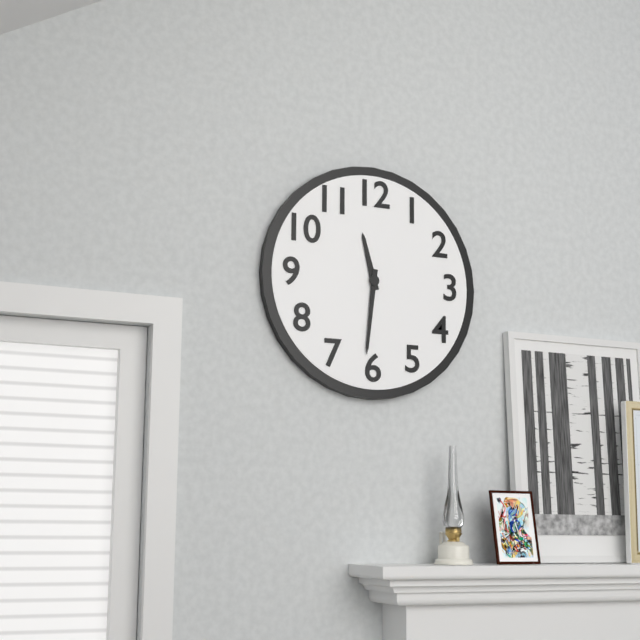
11,31
